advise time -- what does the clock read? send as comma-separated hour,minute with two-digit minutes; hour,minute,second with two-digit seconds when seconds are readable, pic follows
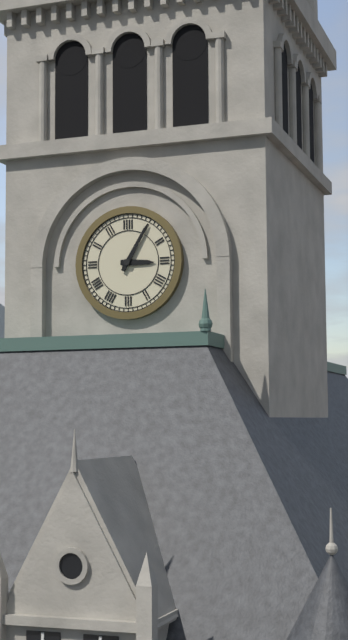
3,05
